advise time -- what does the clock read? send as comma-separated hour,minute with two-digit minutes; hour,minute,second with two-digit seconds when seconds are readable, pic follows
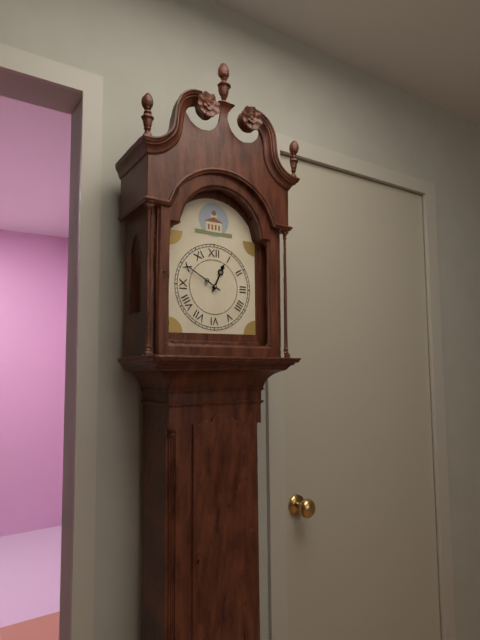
12,50
